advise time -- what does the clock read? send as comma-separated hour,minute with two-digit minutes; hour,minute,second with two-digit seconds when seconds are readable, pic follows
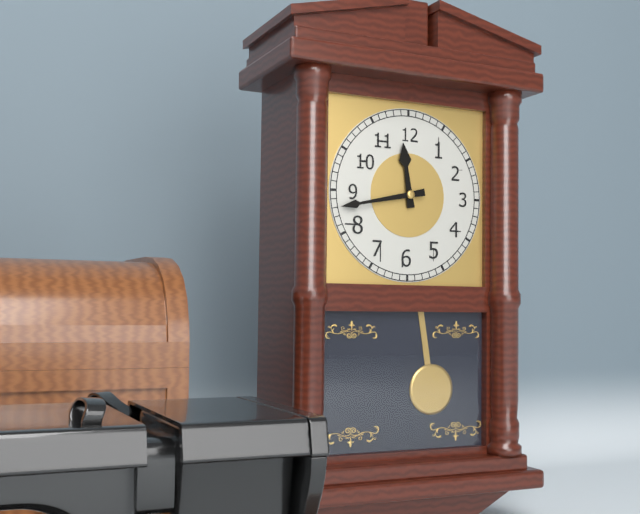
11,43
